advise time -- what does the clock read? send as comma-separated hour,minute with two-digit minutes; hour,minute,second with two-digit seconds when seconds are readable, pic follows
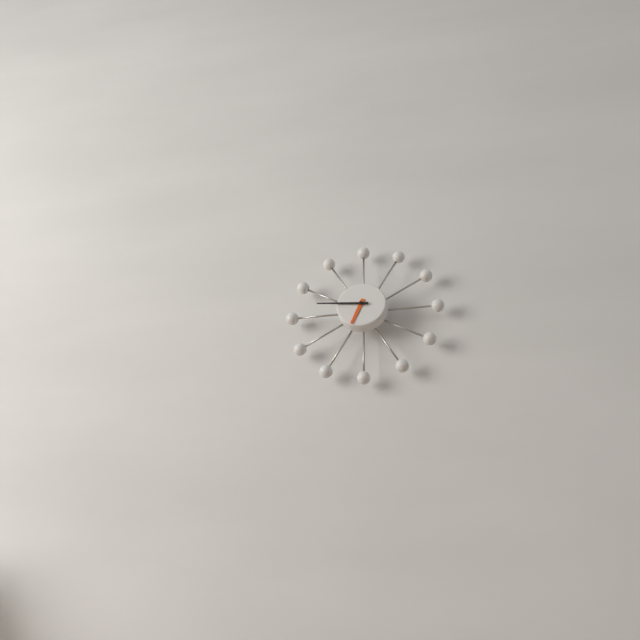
6,46
